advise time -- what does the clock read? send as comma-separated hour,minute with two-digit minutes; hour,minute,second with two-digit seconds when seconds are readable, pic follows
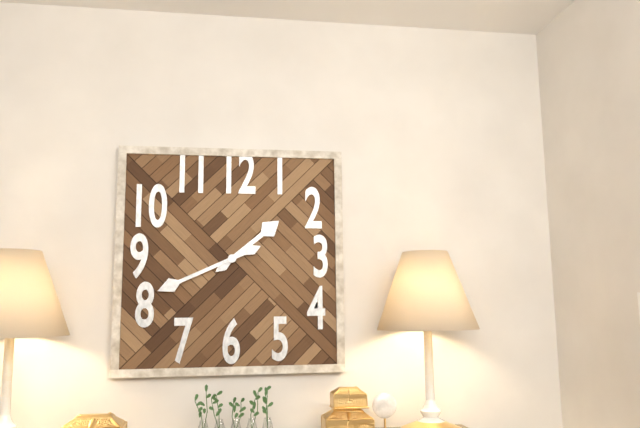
1,41
